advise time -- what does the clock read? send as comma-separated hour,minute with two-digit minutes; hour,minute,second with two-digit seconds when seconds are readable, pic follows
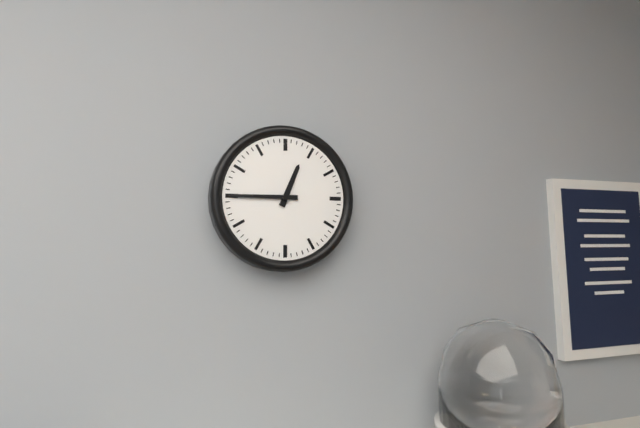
12,45
